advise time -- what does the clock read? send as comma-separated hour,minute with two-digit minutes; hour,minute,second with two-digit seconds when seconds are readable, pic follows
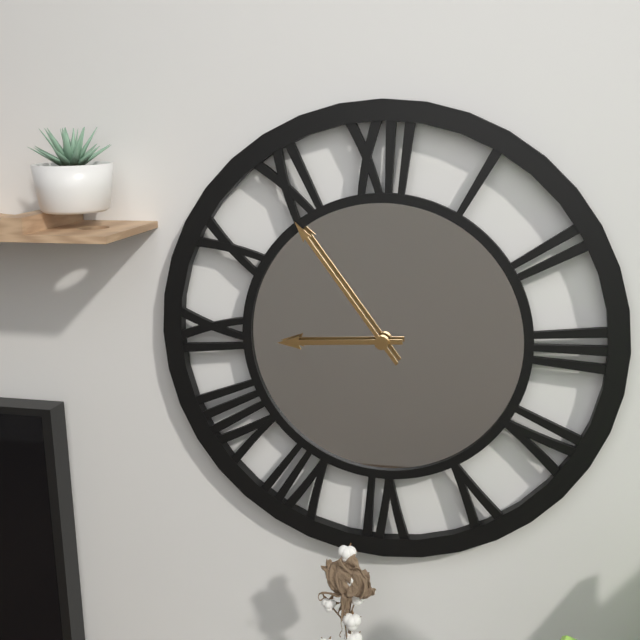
8,54
